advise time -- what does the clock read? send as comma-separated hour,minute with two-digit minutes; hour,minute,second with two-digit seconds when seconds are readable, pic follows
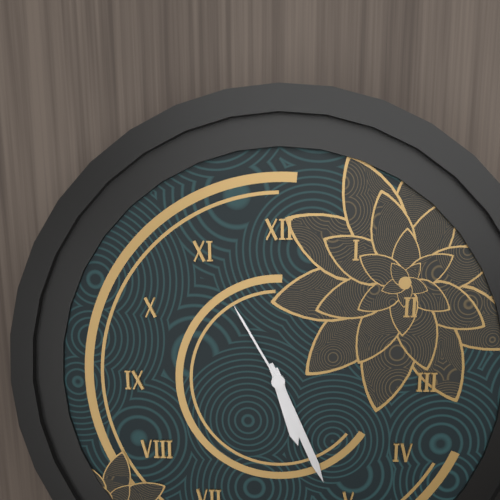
5,26,55
